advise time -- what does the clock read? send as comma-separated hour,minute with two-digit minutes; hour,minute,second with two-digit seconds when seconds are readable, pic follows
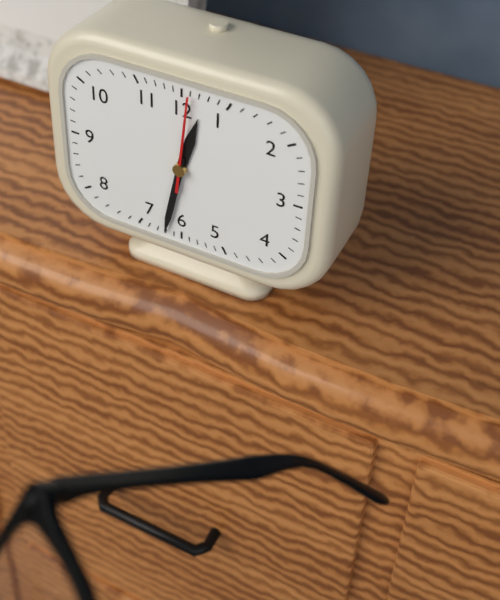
12,32,01
